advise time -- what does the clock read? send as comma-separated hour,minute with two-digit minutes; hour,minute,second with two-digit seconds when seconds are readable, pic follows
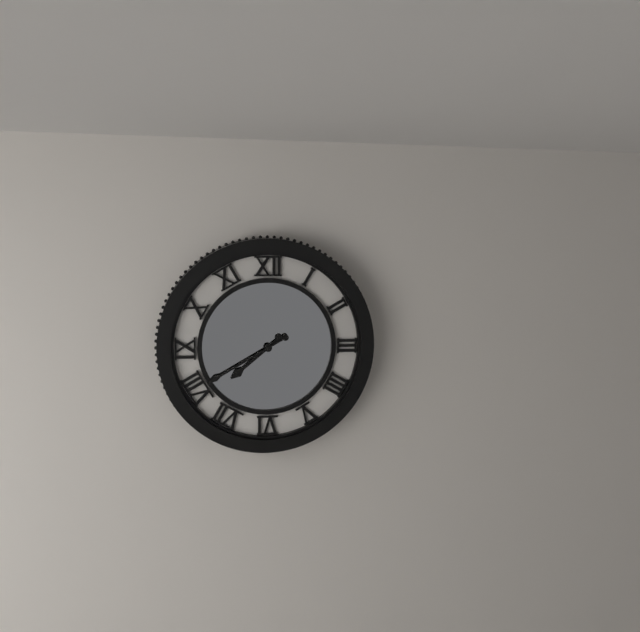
7,40
